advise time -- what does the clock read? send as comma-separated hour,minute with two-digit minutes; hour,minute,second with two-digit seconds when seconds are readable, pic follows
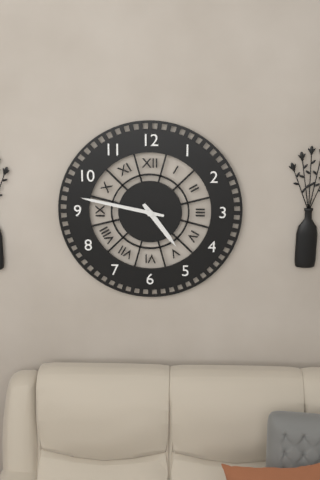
4,47
